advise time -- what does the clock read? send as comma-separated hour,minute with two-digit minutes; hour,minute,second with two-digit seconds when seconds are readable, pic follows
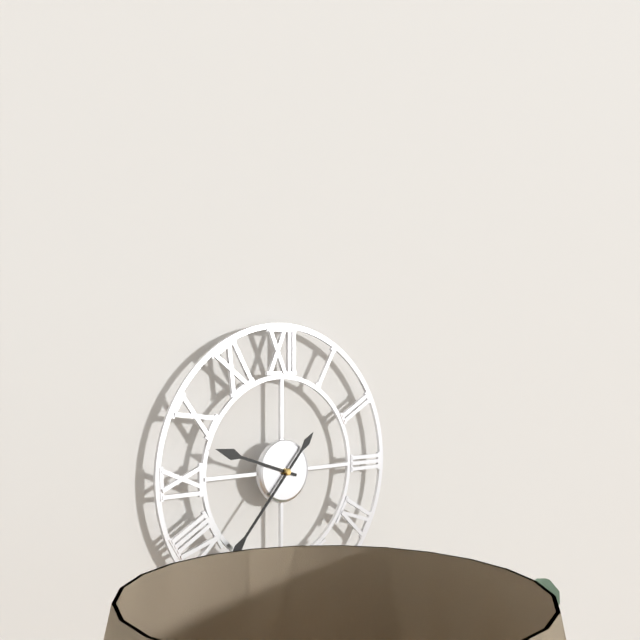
9,37
